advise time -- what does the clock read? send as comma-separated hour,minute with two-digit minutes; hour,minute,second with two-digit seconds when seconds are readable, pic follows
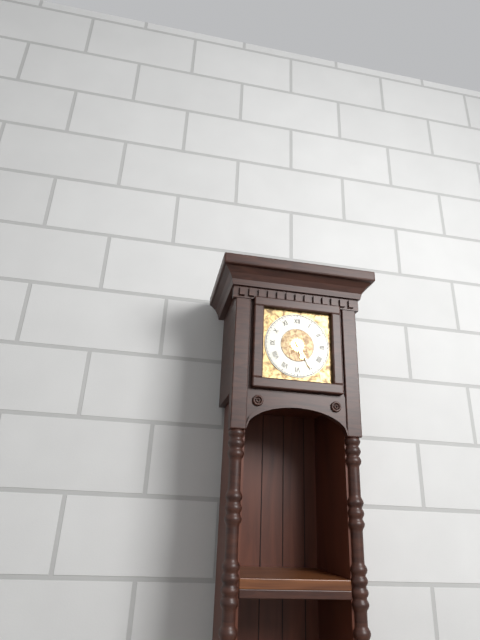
5,25
